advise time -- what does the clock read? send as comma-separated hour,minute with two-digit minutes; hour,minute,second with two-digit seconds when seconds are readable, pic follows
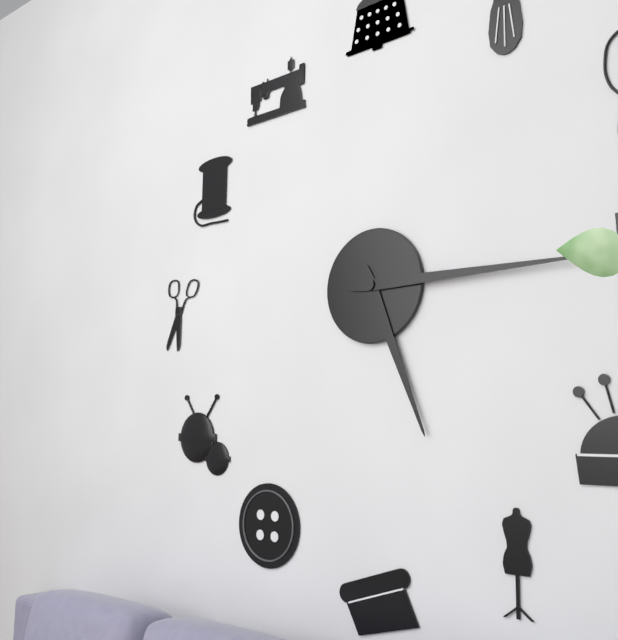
5,15
